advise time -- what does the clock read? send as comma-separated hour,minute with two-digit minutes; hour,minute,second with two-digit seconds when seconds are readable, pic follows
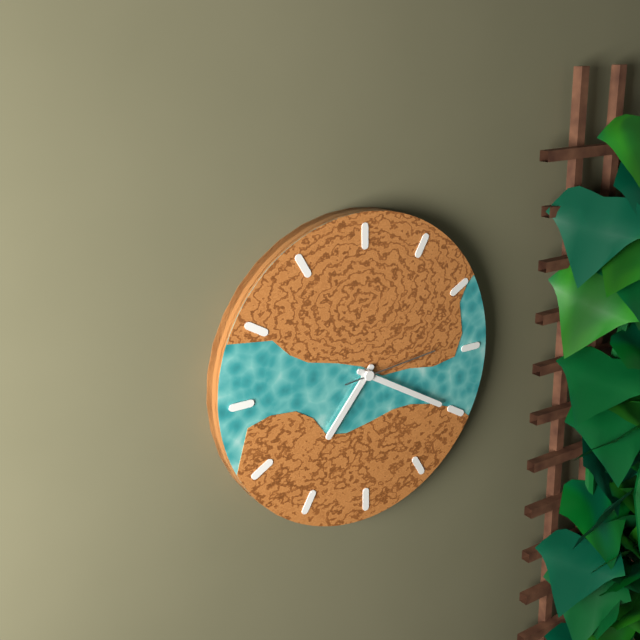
7,20,14
